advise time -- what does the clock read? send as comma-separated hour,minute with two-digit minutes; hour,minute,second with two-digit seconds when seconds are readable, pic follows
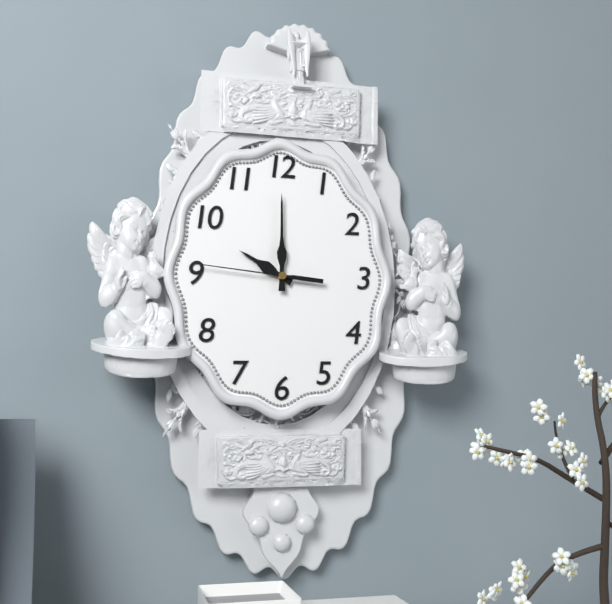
10,00,46
